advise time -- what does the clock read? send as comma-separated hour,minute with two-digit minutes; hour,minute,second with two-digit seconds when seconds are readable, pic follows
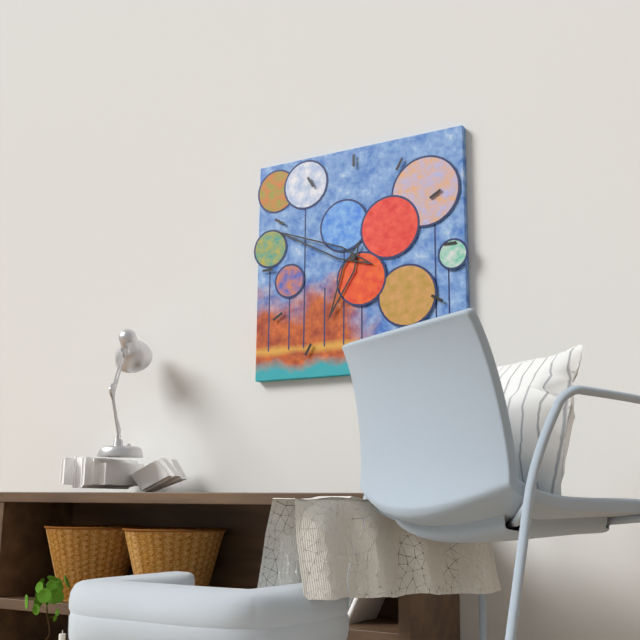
6,49
